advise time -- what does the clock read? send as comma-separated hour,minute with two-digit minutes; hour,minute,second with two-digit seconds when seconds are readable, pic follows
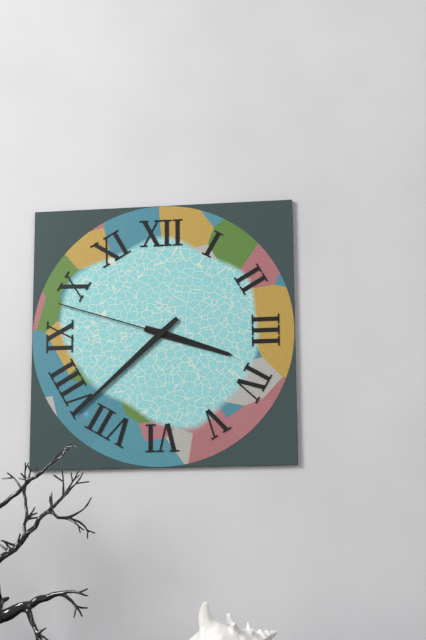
3,38,48
